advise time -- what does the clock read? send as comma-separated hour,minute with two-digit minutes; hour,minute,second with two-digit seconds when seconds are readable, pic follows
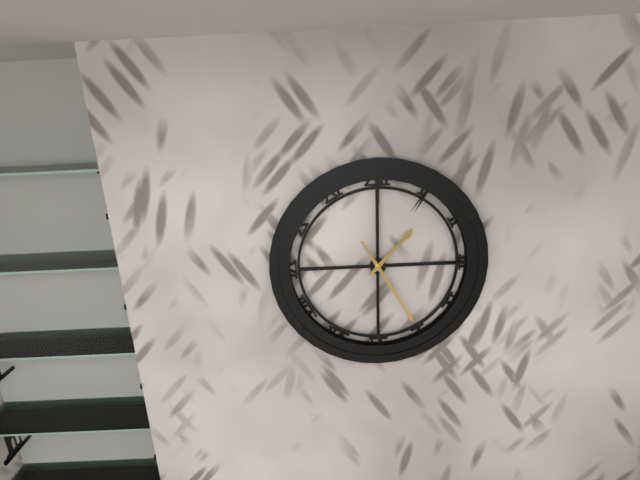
1,25
